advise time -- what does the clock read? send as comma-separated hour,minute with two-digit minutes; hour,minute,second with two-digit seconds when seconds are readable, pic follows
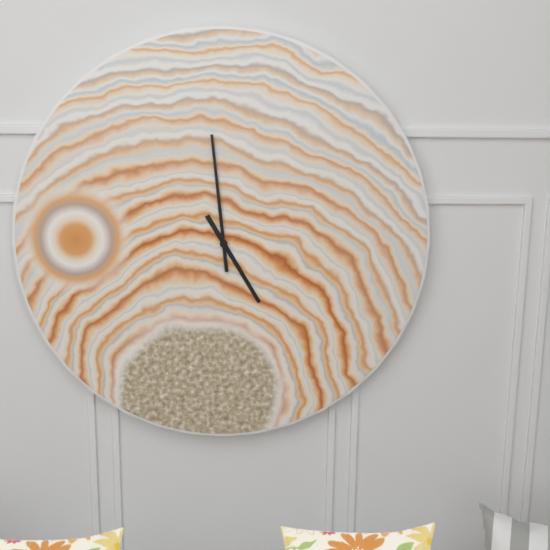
4,59
